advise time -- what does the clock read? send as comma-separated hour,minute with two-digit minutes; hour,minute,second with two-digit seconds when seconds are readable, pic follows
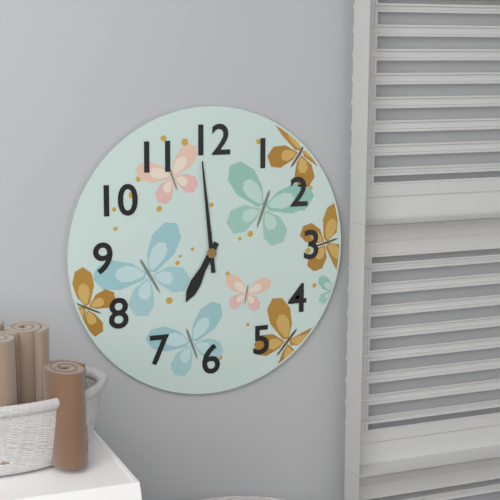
6,59
